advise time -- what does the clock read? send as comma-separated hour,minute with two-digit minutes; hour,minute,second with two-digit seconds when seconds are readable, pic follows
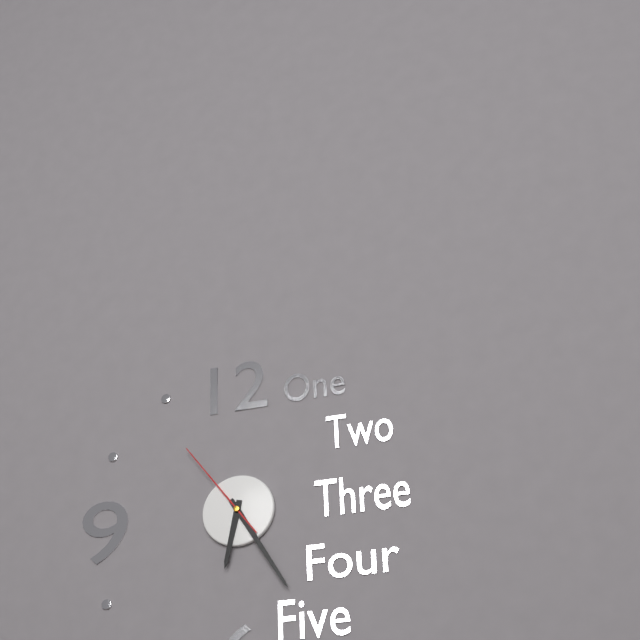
6,25,54
